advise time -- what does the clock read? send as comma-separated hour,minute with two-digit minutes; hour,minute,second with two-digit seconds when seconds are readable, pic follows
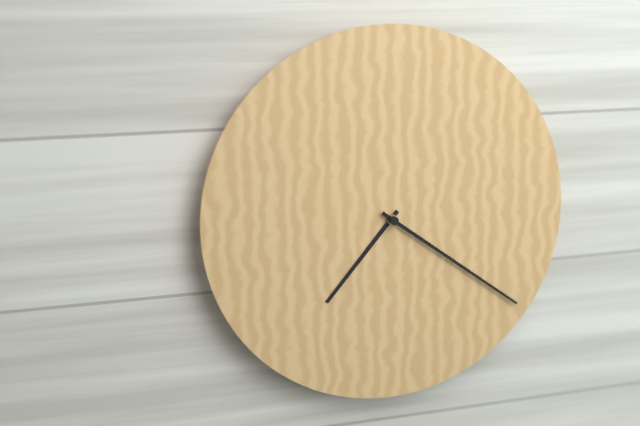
7,21
